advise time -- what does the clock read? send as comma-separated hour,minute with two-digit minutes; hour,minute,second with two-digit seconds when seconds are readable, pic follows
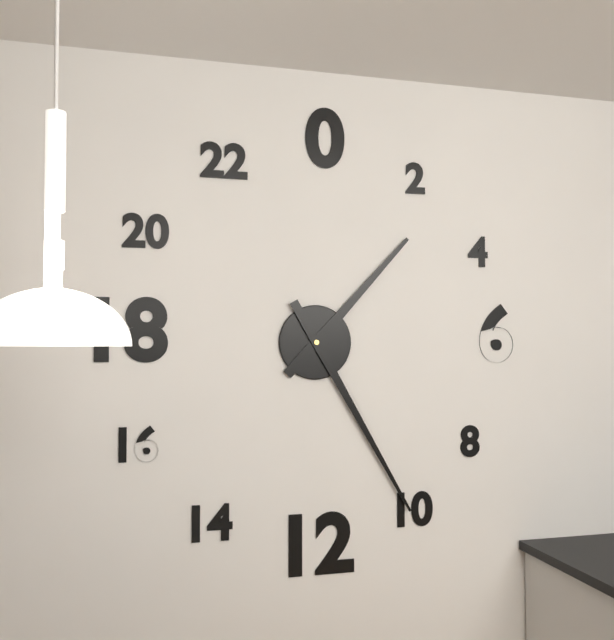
1,25
